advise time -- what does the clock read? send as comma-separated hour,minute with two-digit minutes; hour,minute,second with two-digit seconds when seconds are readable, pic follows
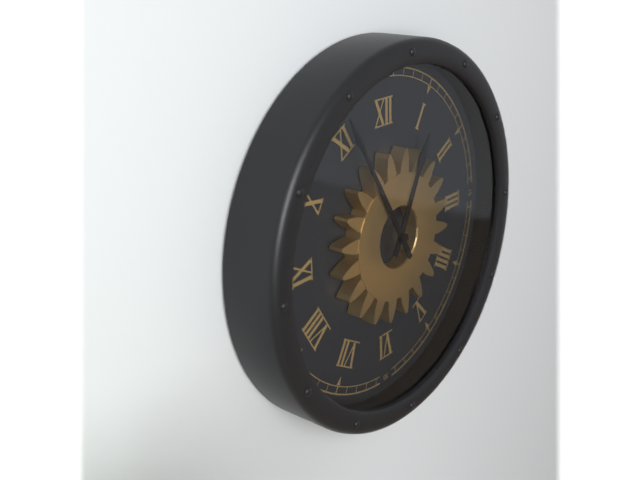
12,55
